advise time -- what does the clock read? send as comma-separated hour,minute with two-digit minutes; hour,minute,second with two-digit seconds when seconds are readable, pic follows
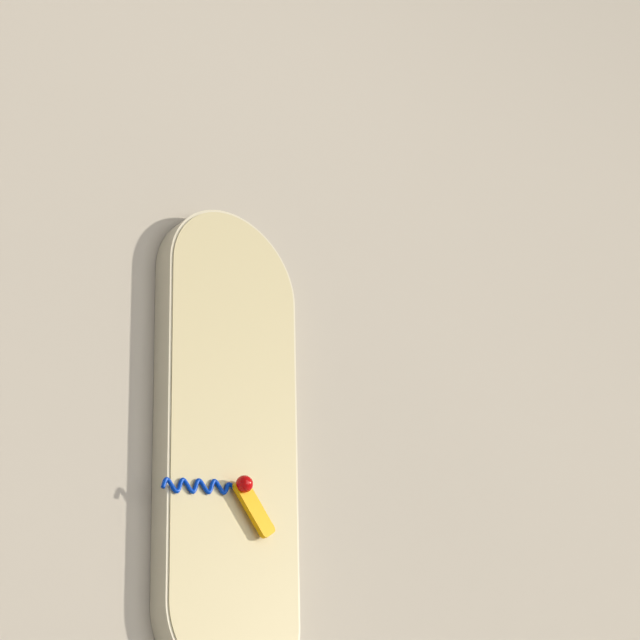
4,43
